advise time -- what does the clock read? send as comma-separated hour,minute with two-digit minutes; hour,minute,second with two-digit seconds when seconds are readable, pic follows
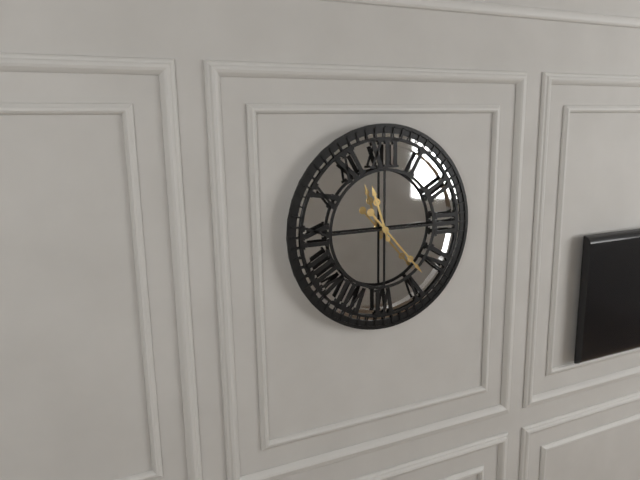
11,23
